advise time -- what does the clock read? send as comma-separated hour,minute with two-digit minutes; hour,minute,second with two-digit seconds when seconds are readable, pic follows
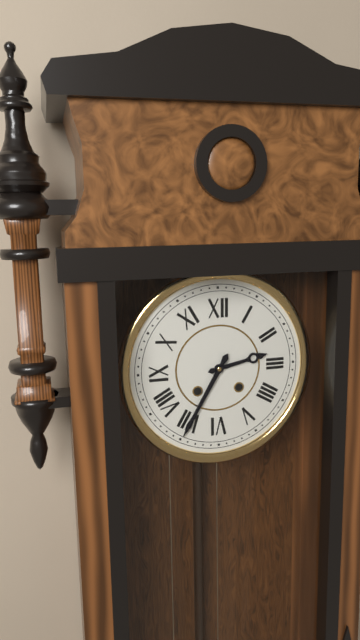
2,35
